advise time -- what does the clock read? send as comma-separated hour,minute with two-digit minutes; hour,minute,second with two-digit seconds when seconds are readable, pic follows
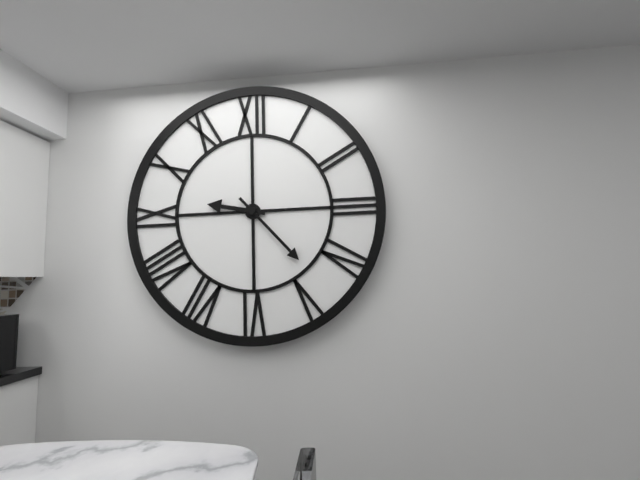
9,23
